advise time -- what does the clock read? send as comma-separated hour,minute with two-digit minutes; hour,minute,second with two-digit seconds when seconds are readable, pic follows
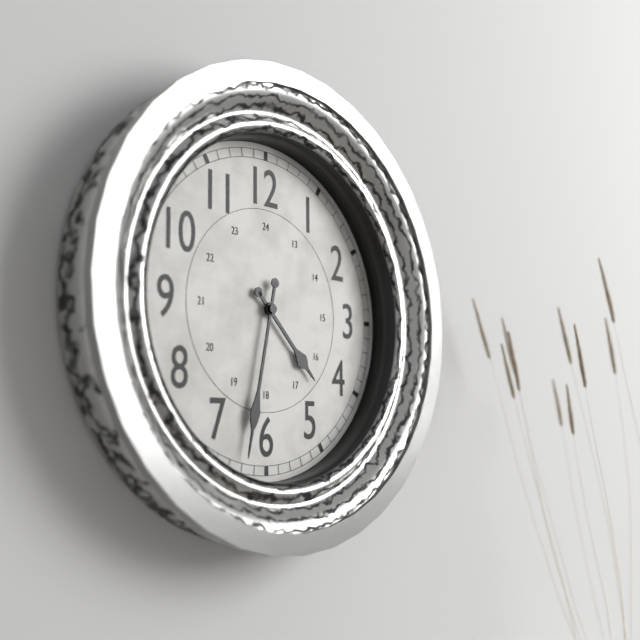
4,32
